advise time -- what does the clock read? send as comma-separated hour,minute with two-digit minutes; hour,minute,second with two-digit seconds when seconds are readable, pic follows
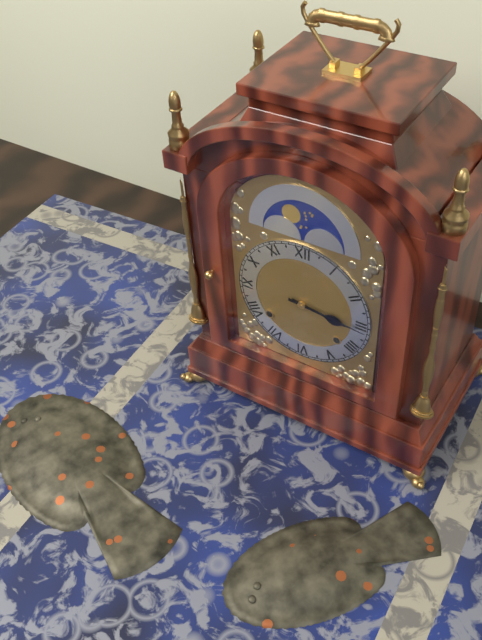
3,16
